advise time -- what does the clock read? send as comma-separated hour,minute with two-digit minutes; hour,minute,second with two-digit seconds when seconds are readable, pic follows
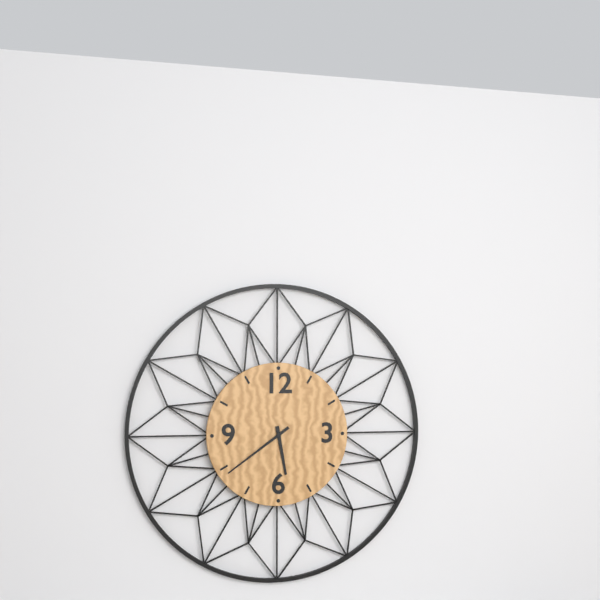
5,39
